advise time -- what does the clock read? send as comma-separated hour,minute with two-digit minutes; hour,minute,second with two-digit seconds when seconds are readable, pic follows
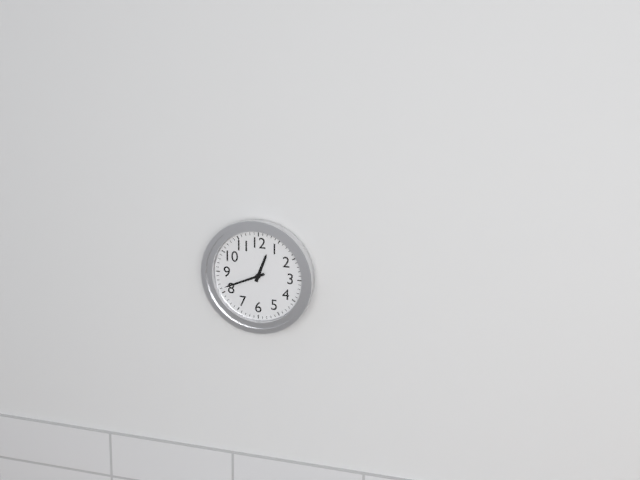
12,41
